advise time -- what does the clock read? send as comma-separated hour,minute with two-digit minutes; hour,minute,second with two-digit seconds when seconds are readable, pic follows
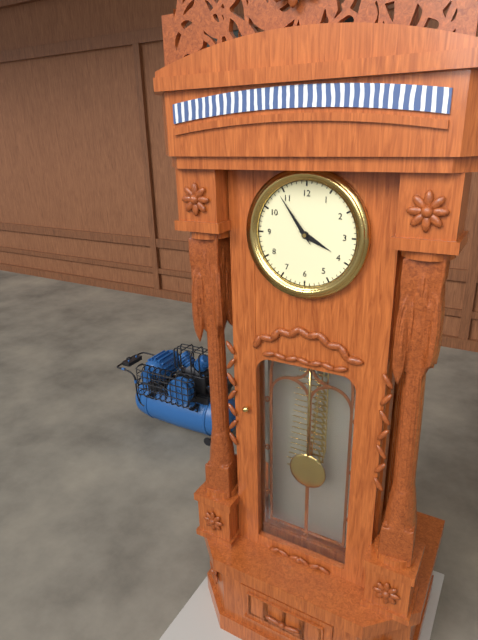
3,54
